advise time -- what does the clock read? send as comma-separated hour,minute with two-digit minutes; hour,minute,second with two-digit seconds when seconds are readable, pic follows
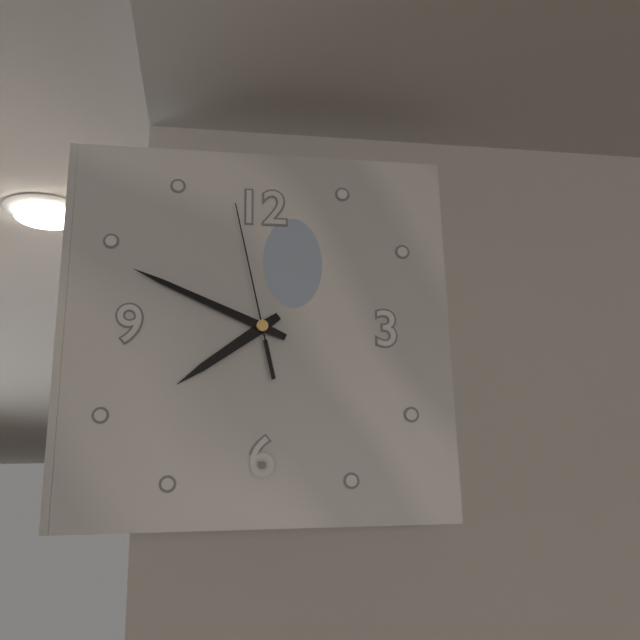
7,49,58
